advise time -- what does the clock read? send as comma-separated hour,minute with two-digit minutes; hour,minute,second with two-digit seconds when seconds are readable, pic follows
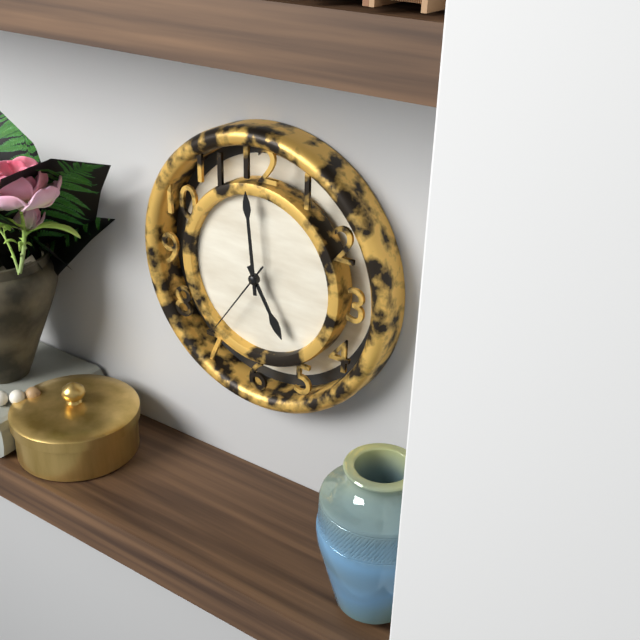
4,59,36
